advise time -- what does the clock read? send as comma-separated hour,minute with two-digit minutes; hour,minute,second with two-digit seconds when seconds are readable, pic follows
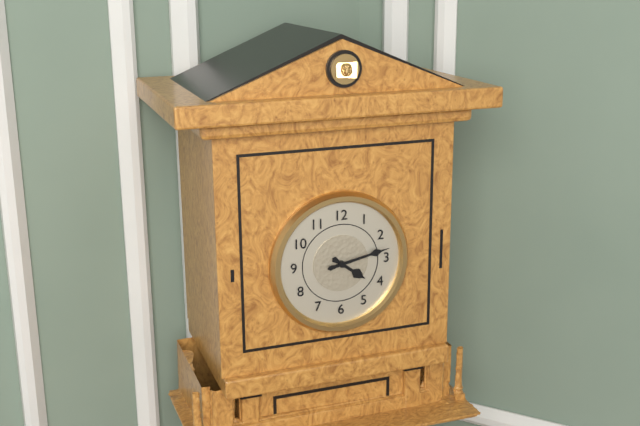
4,13
